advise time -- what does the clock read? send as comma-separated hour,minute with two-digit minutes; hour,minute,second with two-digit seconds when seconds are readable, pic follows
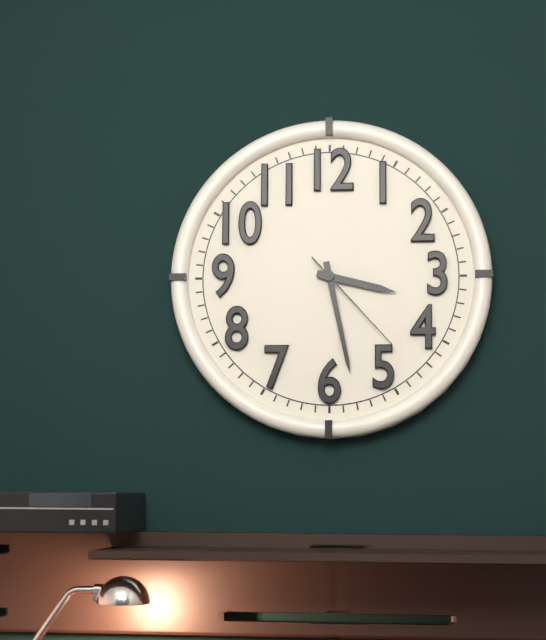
3,28,23
